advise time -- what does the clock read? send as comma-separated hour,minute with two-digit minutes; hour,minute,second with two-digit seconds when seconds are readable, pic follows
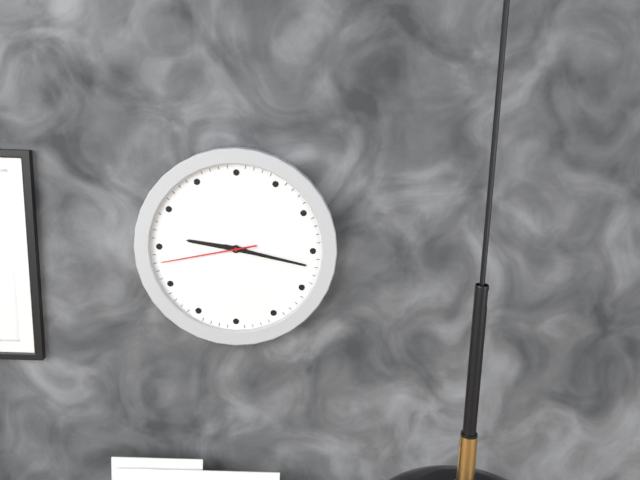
9,17,43
